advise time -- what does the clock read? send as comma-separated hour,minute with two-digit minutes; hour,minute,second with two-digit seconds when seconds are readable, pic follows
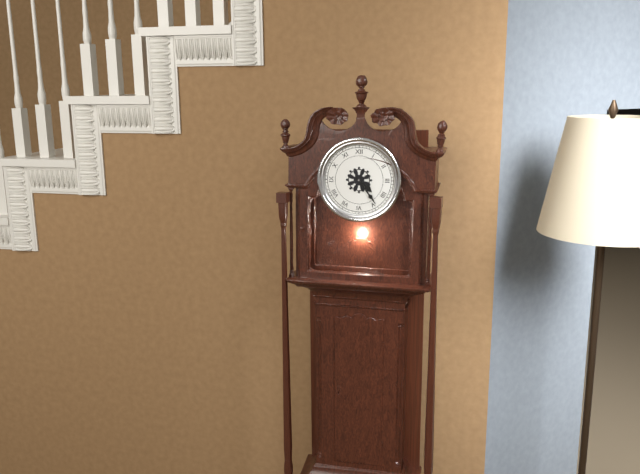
4,24
